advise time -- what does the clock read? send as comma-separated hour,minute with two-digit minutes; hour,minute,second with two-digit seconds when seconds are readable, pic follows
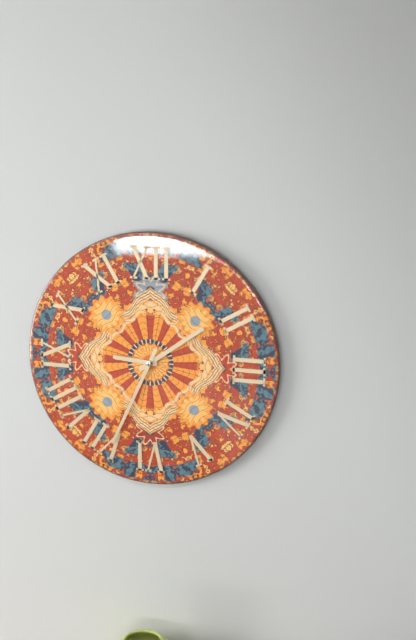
9,09,34
